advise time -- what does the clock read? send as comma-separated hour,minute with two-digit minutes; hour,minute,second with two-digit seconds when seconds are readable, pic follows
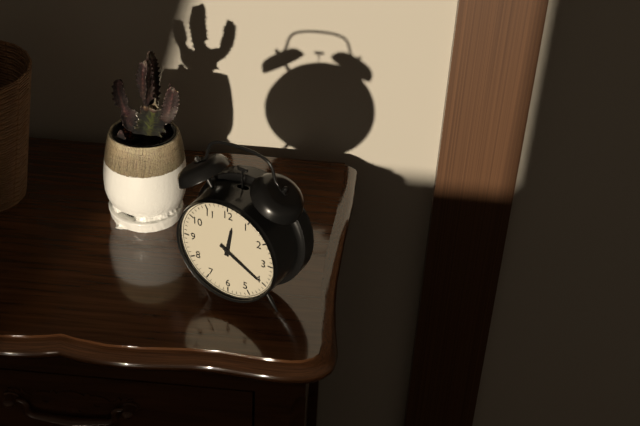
12,20
